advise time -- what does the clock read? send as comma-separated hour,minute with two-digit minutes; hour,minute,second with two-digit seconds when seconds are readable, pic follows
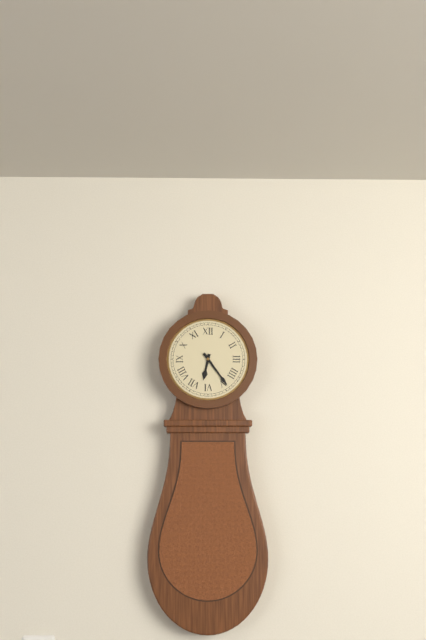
6,24
